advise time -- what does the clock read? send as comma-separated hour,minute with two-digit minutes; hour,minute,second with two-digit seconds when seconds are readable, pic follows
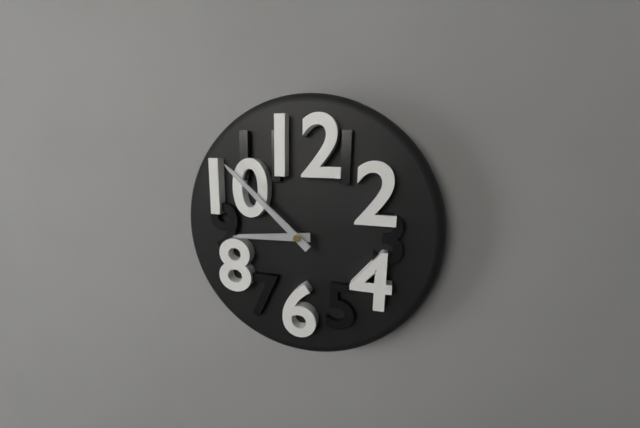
8,52
